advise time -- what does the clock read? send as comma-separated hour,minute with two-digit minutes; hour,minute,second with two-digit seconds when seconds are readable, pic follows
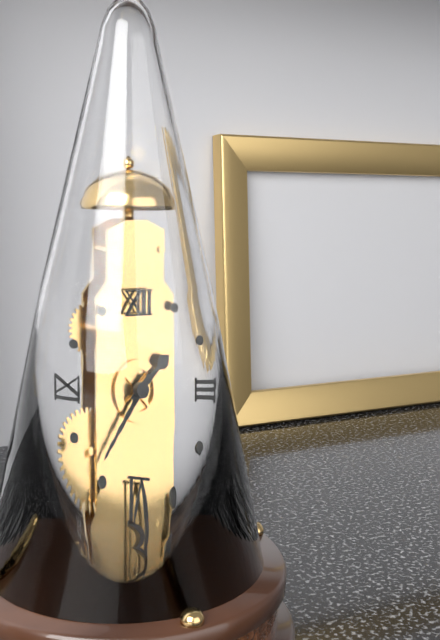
1,36
